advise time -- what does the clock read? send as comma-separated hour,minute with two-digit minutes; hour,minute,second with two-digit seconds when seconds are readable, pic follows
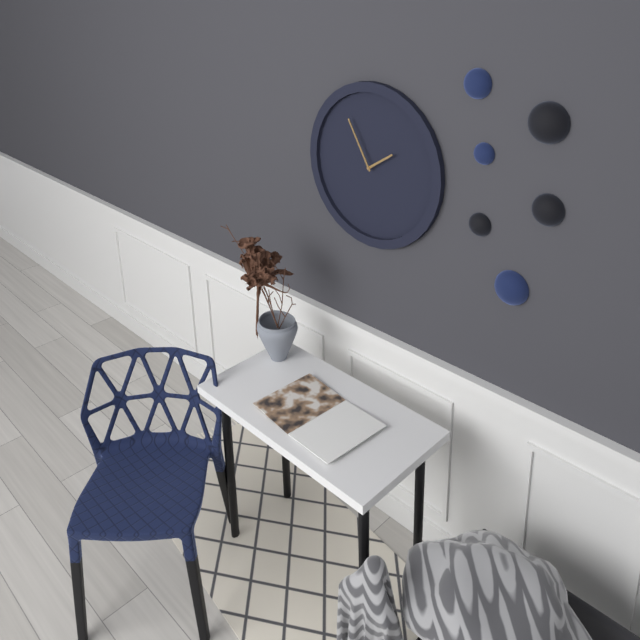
1,55
